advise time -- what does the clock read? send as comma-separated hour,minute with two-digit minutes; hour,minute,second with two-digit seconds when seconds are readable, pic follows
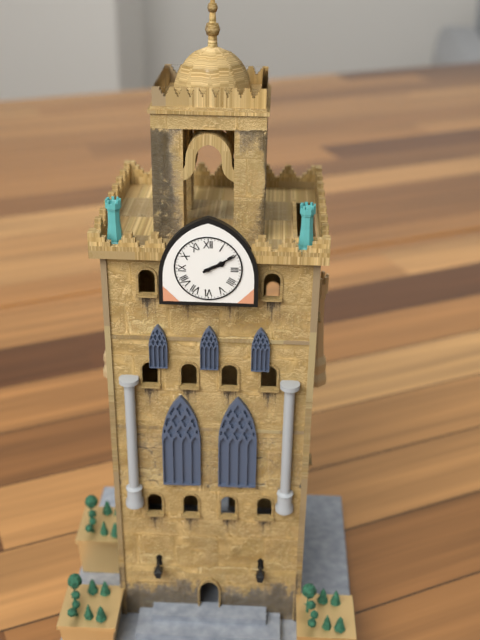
2,10
